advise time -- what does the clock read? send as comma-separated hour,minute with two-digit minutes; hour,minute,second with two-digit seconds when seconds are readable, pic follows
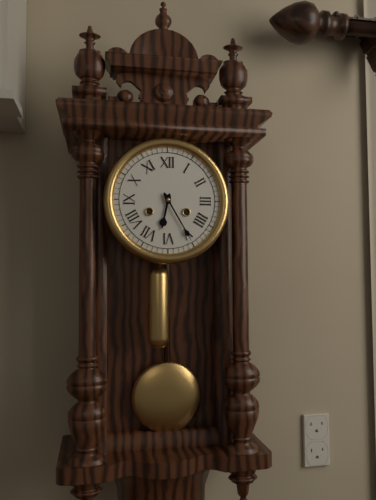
6,25
